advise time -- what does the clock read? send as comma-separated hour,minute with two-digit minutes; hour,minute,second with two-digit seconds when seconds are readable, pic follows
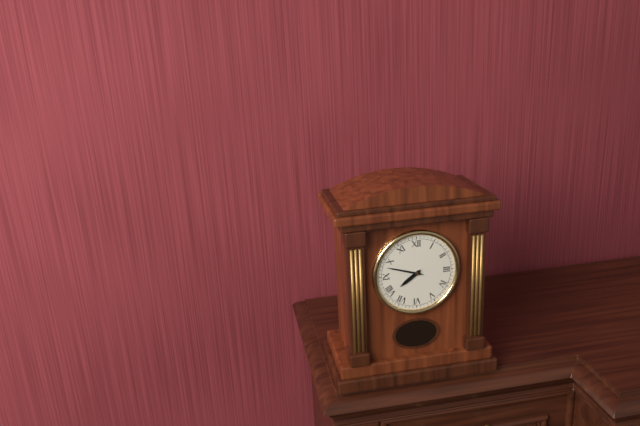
7,48
